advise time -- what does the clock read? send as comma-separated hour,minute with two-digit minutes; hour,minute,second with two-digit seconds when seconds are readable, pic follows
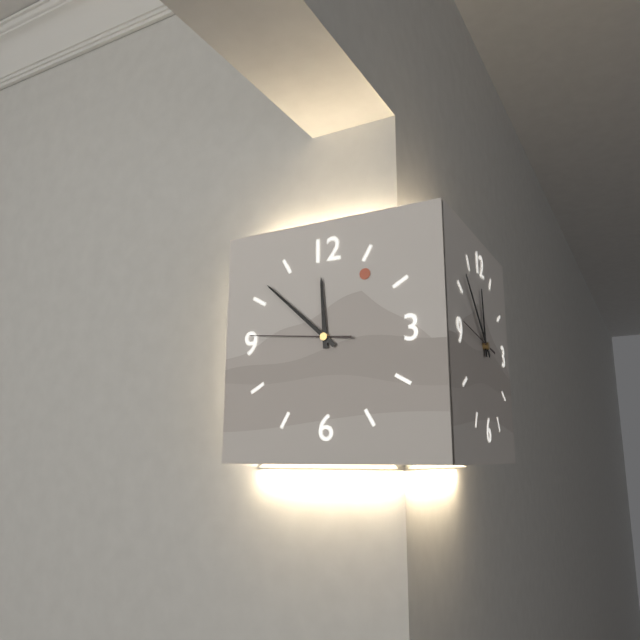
11,52,46
